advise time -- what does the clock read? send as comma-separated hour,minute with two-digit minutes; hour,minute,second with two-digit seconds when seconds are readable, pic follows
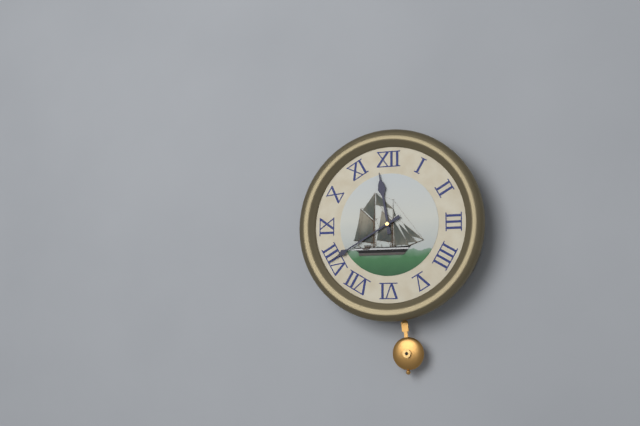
11,40
